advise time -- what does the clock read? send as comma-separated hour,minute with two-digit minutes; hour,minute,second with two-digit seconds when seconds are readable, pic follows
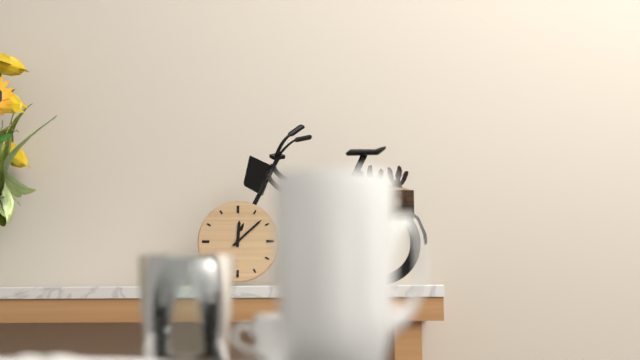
12,08
